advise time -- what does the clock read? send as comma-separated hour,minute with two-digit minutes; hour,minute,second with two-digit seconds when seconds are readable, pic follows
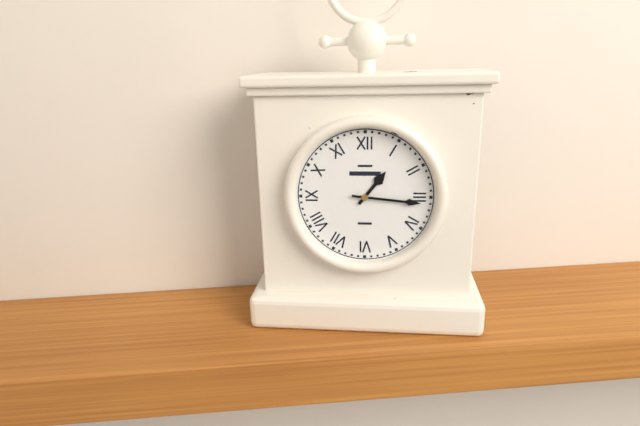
1,16
